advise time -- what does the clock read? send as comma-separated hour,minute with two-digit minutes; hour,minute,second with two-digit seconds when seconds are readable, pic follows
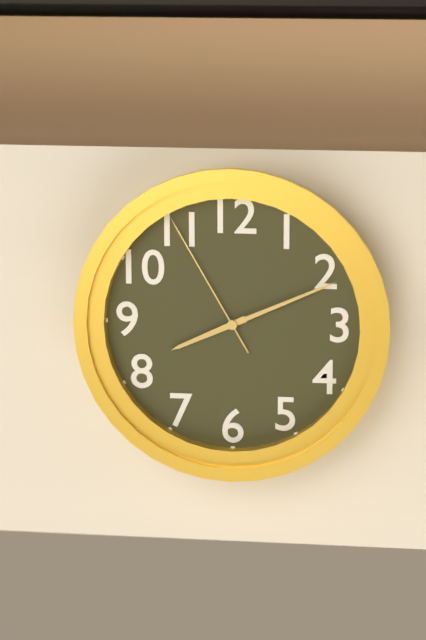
8,11,55
